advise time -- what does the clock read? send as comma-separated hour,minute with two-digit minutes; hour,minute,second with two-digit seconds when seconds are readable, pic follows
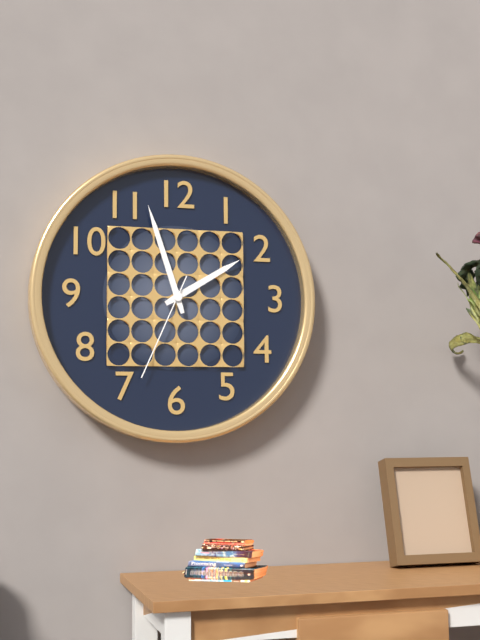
1,57,34
